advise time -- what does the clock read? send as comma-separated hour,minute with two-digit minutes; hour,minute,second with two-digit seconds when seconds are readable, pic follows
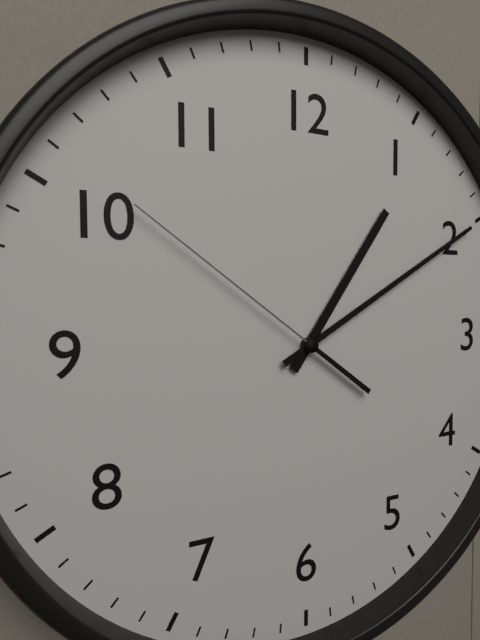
1,10,51
